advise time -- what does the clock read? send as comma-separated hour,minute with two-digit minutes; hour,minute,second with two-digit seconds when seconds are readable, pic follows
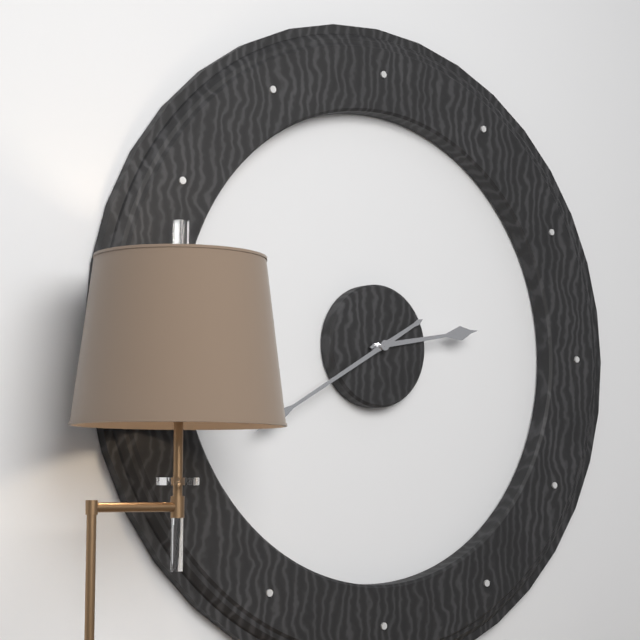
2,40
